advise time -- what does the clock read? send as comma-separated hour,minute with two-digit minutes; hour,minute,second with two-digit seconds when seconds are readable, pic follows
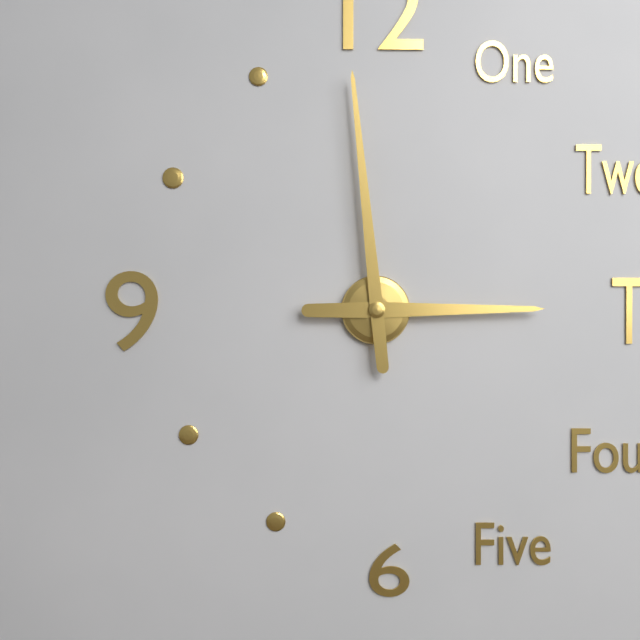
2,59
